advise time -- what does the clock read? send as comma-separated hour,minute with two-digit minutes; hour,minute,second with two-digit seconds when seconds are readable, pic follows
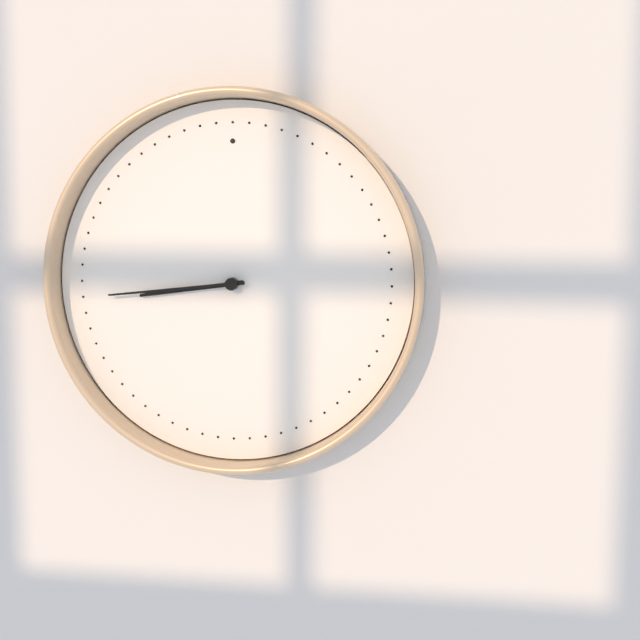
8,44
